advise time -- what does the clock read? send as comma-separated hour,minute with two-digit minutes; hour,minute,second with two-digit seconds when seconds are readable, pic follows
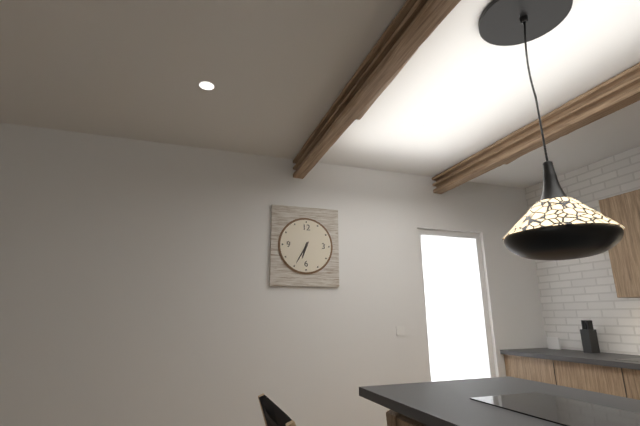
6,35
